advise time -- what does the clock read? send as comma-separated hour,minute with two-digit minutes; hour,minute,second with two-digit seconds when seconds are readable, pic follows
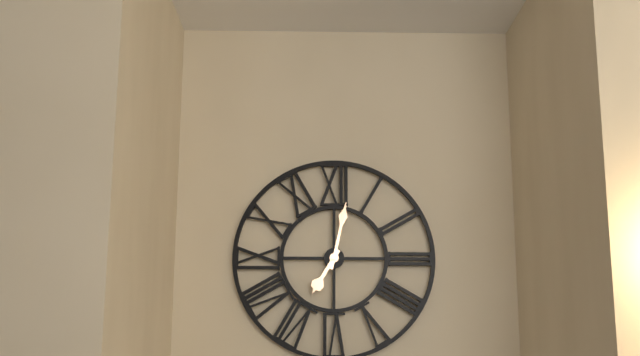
7,02
